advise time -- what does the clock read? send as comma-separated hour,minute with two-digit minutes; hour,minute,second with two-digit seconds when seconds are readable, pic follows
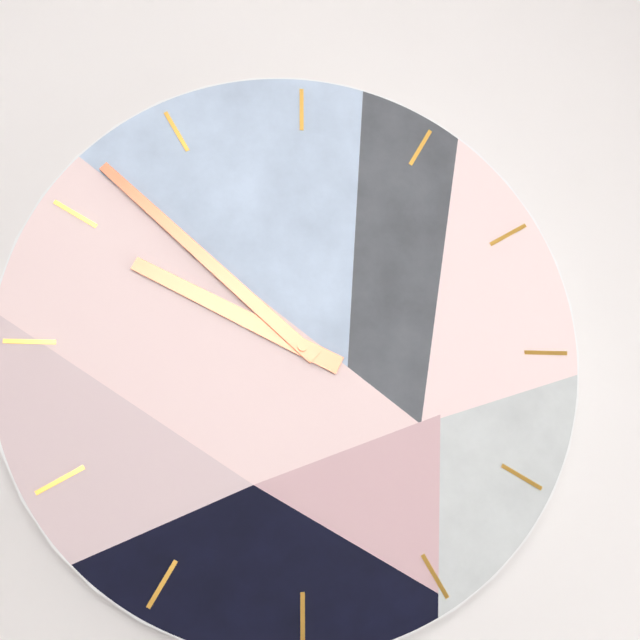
9,52
